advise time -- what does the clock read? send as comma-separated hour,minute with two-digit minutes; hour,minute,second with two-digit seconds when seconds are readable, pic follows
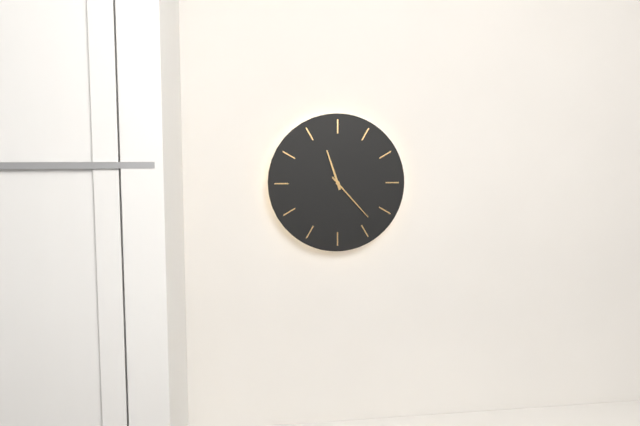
11,23
